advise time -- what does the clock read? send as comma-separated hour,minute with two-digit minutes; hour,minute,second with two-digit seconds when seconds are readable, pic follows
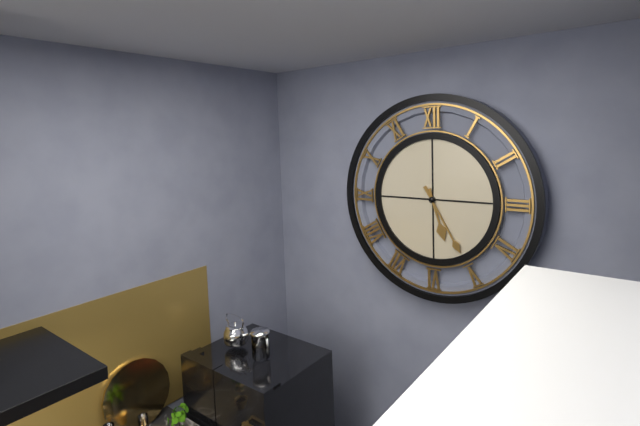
5,25
